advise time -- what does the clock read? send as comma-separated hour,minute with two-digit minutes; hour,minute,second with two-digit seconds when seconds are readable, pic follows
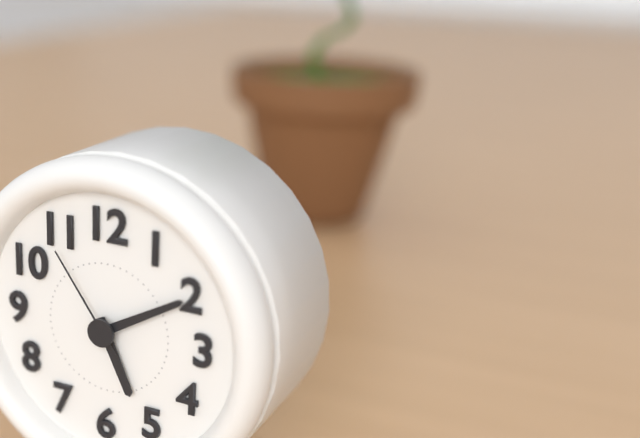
5,10,54
